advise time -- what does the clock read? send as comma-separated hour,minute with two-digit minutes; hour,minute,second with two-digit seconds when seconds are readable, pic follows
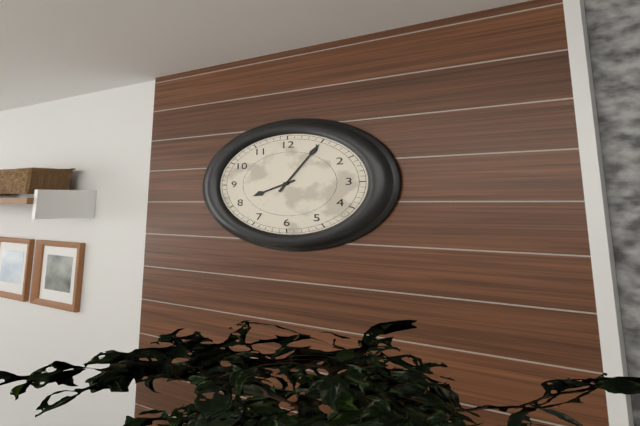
8,05
